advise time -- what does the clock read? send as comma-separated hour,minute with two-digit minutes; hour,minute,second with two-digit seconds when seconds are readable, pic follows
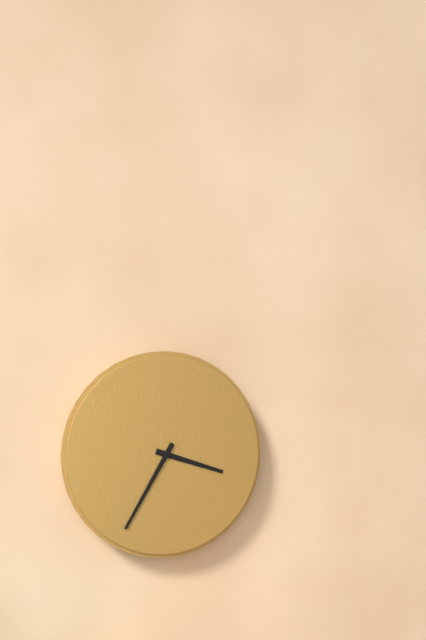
3,35
